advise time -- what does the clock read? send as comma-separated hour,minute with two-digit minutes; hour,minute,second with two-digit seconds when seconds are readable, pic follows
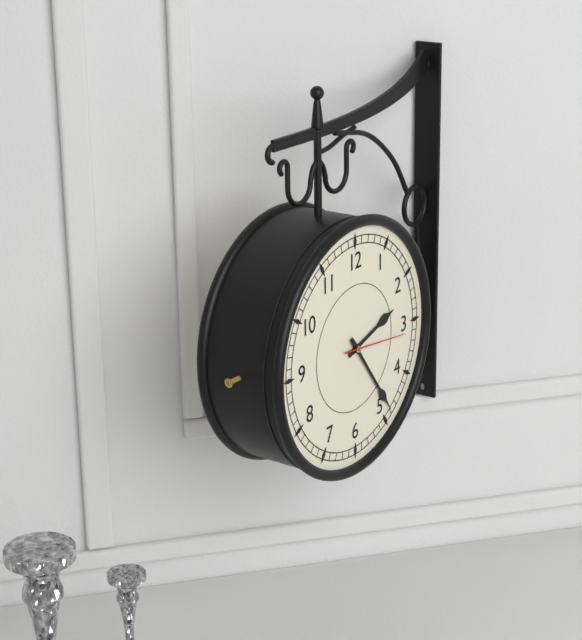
2,24,16
